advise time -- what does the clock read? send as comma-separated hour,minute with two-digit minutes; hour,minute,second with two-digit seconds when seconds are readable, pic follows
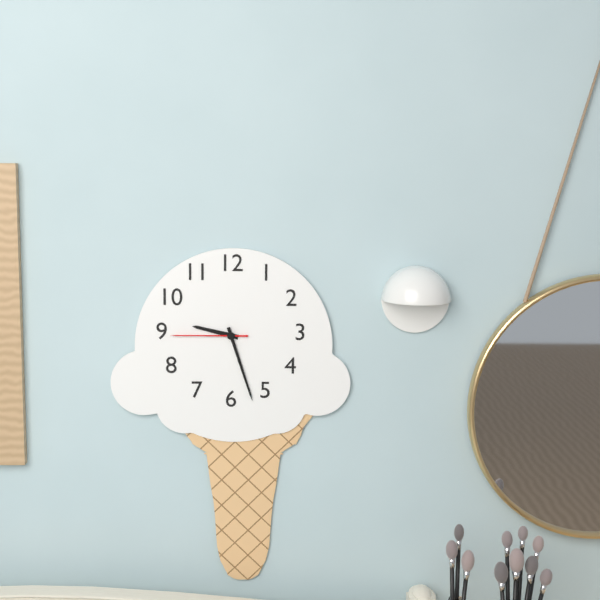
9,27,45
